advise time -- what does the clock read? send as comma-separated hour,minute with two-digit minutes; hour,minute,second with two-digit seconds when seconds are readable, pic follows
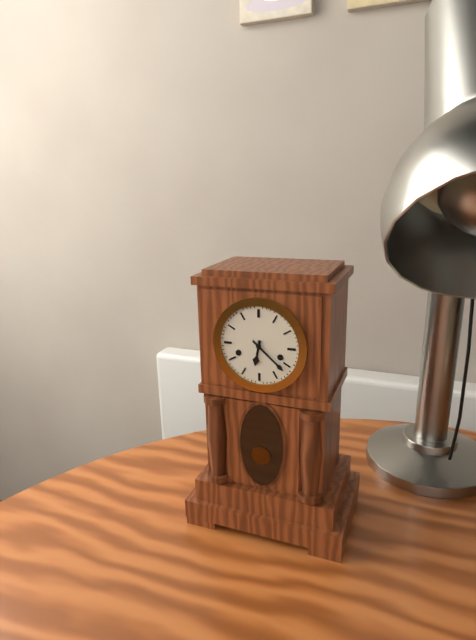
6,22
